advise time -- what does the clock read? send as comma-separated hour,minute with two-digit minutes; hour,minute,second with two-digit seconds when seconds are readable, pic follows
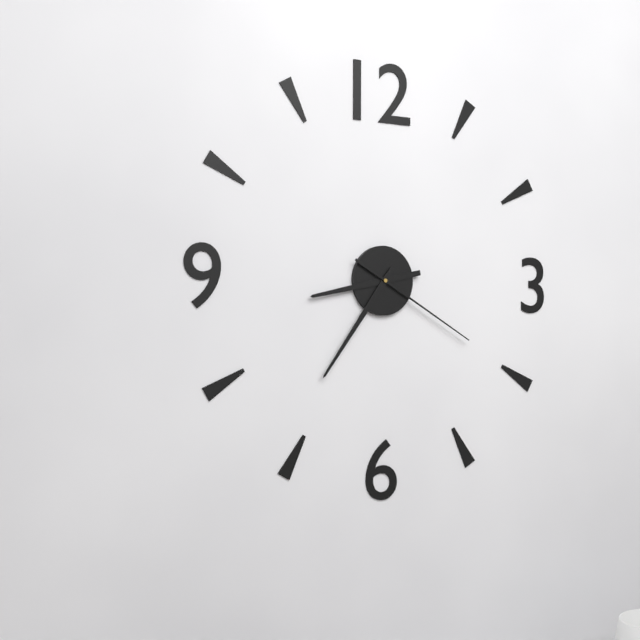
8,36,20
